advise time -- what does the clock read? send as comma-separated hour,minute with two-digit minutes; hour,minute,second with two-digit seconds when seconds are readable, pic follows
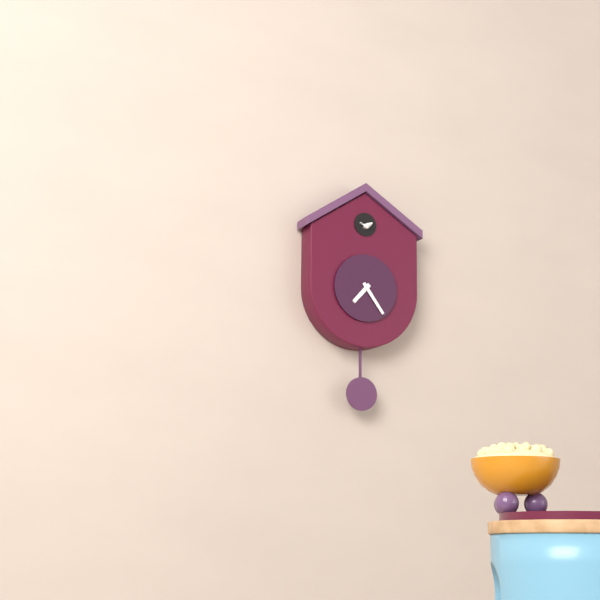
7,24
